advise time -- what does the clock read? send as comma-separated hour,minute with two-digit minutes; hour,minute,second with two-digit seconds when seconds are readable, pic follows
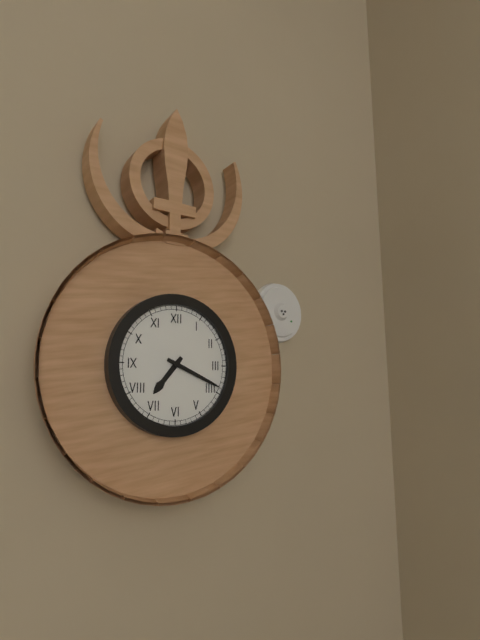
7,19
